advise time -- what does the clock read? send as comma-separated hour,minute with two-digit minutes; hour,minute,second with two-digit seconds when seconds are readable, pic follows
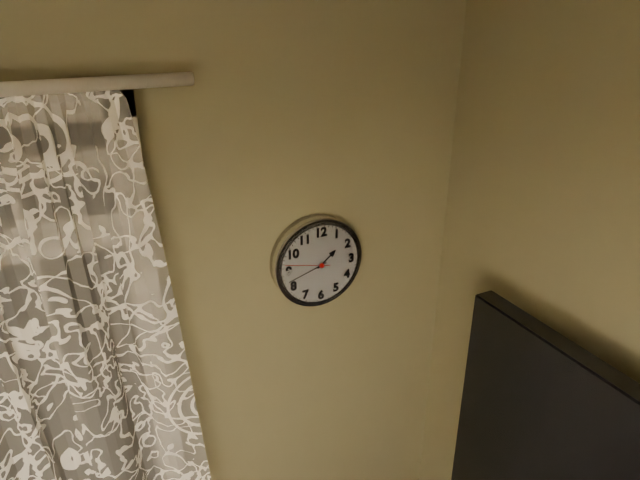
1,42
